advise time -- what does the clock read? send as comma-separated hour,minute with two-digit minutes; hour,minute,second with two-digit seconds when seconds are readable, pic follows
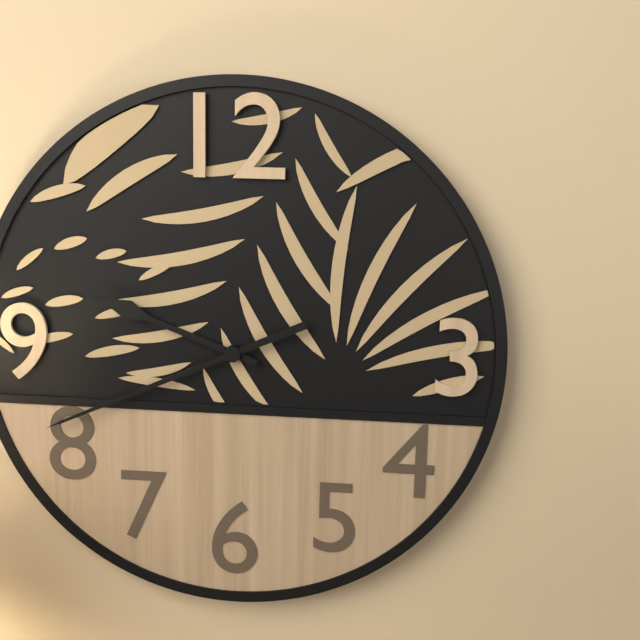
9,41
